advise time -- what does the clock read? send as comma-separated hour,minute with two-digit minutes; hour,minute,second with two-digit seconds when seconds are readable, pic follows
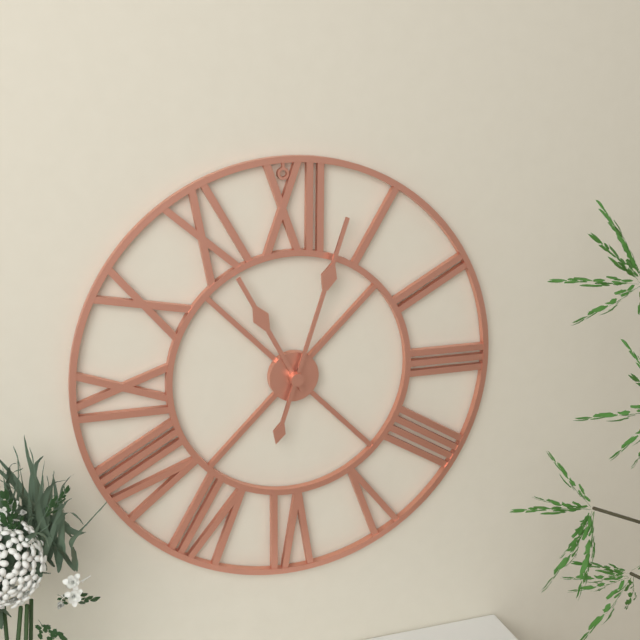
11,03
